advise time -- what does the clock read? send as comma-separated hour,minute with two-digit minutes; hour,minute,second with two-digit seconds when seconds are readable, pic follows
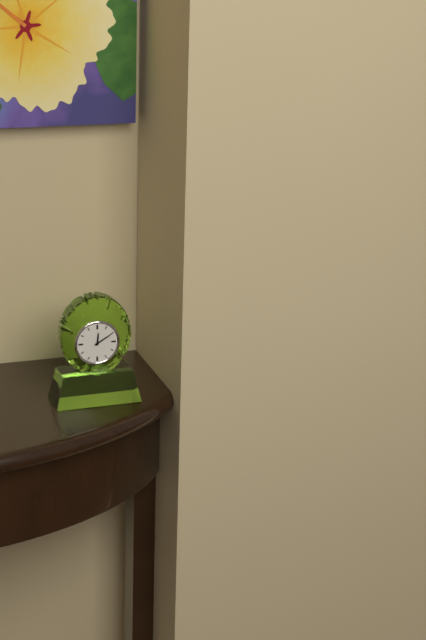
12,10
